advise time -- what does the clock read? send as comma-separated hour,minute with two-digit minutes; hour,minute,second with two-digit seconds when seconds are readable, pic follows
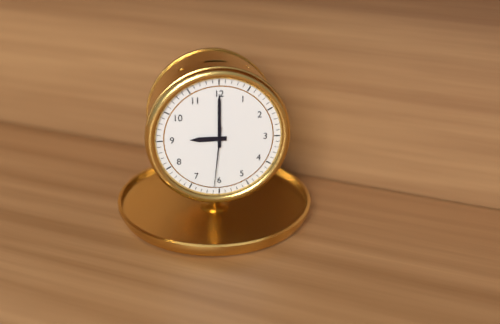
9,00,31
